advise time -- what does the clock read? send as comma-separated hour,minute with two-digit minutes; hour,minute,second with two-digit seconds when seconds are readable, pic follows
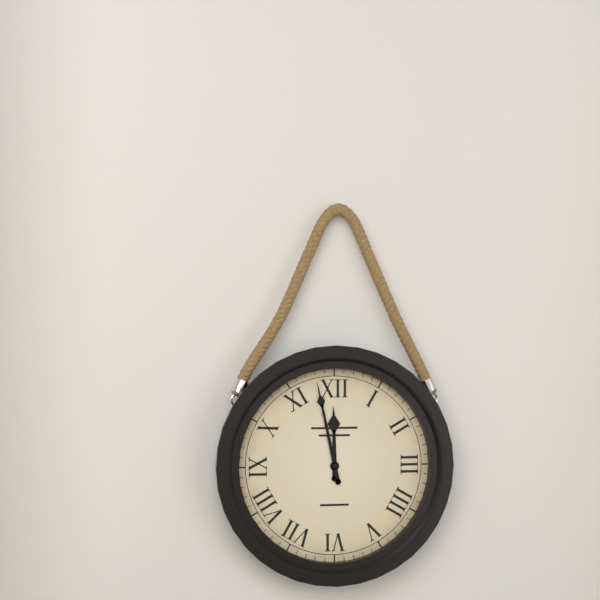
11,58
